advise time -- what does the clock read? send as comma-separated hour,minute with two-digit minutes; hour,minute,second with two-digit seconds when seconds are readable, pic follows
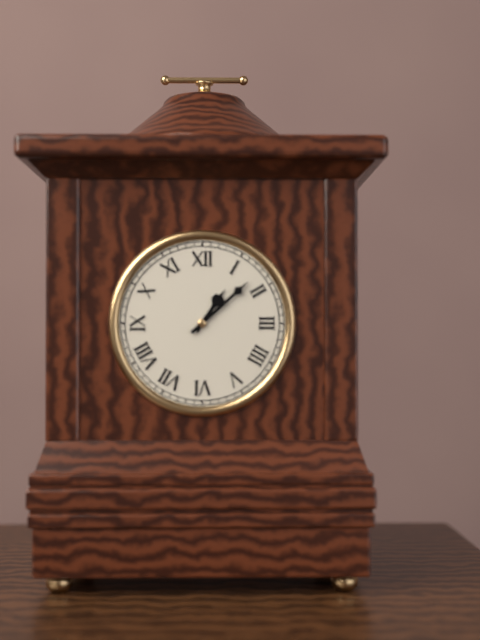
1,08
